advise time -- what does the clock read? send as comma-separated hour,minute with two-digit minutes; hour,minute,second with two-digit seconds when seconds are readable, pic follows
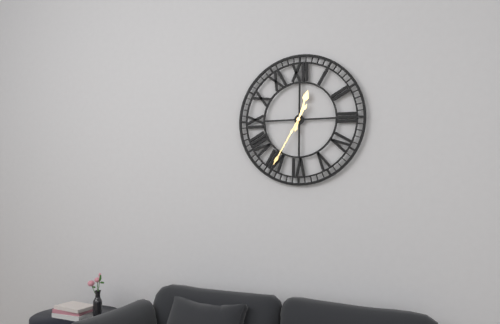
12,35
